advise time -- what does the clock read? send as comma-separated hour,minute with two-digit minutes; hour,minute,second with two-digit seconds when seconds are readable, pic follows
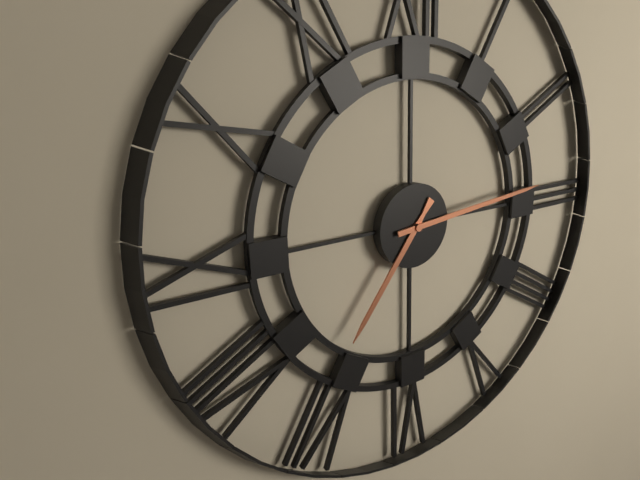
7,14
